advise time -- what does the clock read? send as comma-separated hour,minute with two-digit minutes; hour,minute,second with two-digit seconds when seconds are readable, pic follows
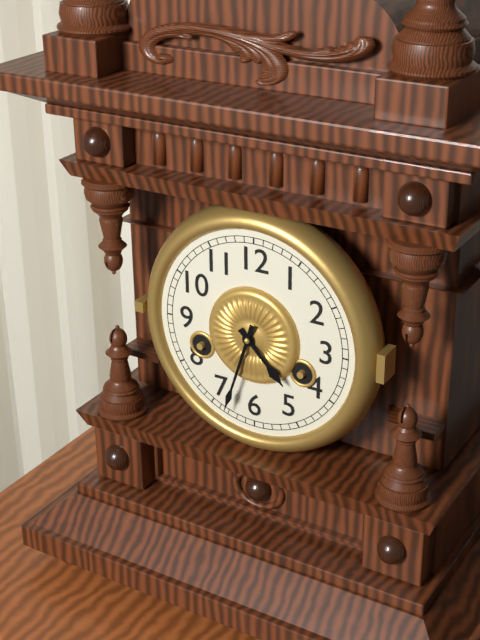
4,33
